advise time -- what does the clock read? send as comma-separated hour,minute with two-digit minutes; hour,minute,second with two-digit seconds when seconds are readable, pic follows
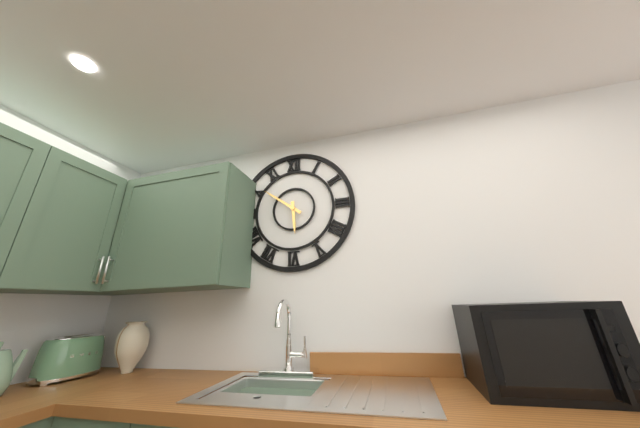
5,51
